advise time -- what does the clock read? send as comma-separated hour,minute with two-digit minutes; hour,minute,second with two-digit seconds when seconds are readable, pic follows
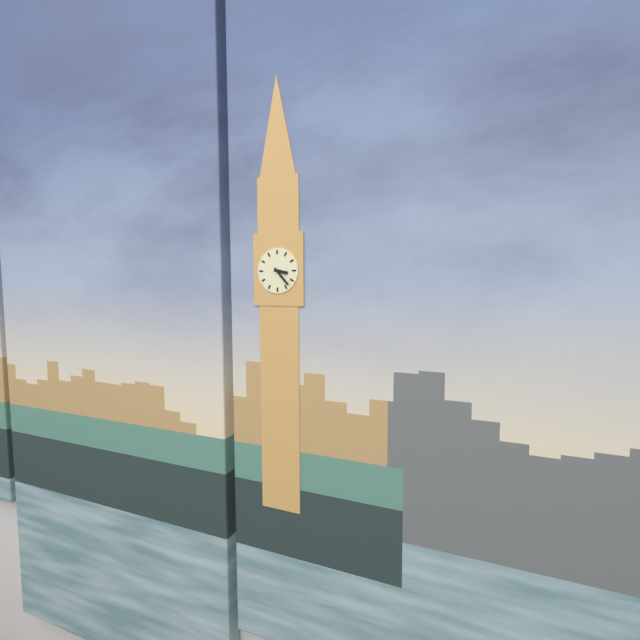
3,23
